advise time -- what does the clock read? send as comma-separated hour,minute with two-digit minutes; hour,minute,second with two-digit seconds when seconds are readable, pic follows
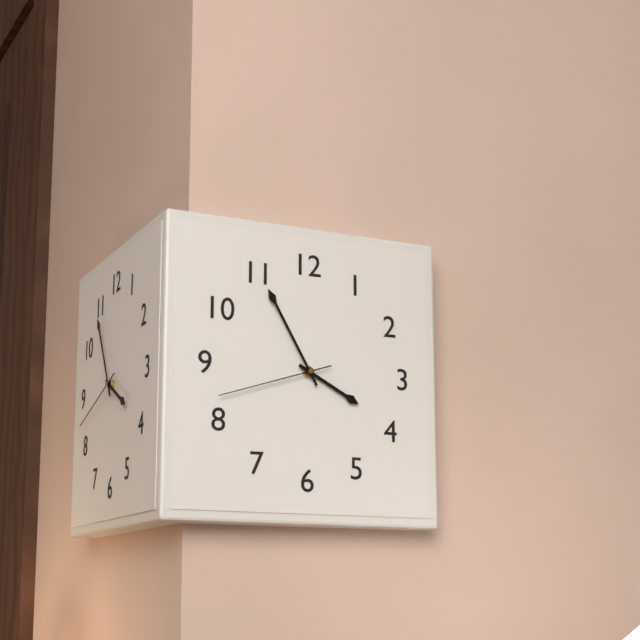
3,55,42
